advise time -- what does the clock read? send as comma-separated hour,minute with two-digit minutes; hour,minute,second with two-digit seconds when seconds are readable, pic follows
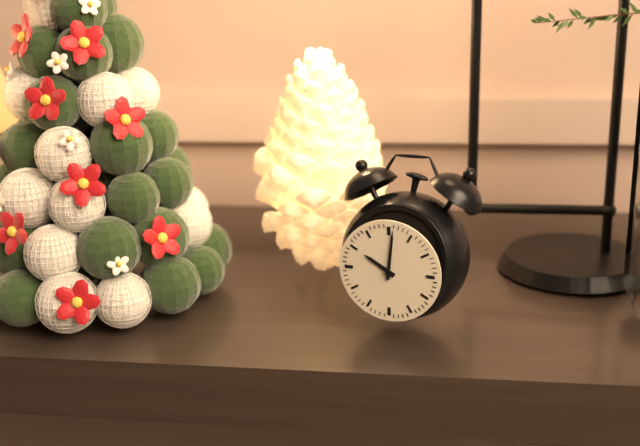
10,01
